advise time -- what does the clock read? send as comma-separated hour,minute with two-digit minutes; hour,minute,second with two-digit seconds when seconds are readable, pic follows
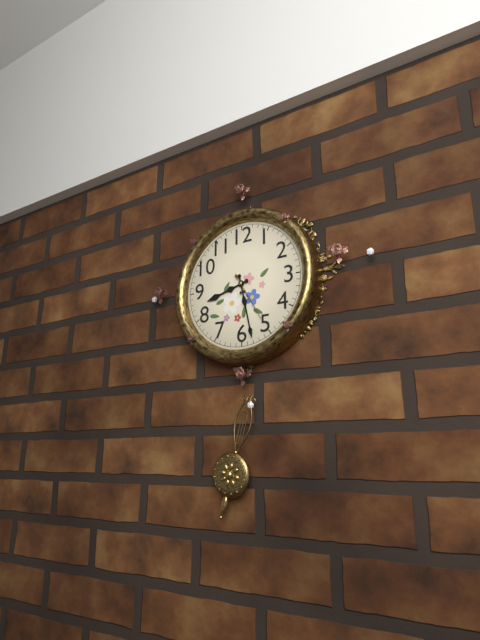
8,28
